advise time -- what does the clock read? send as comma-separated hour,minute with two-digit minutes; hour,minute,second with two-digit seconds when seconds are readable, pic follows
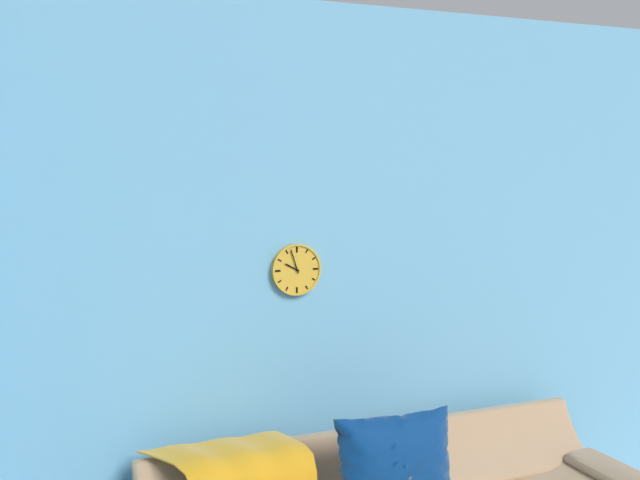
9,57
